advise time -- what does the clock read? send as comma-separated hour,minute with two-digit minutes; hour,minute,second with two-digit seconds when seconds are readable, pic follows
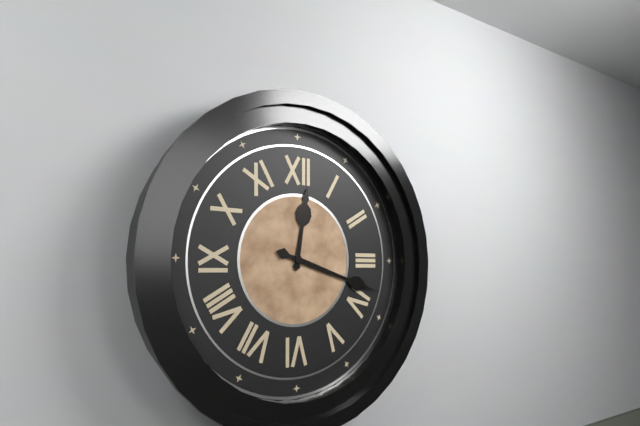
12,18
